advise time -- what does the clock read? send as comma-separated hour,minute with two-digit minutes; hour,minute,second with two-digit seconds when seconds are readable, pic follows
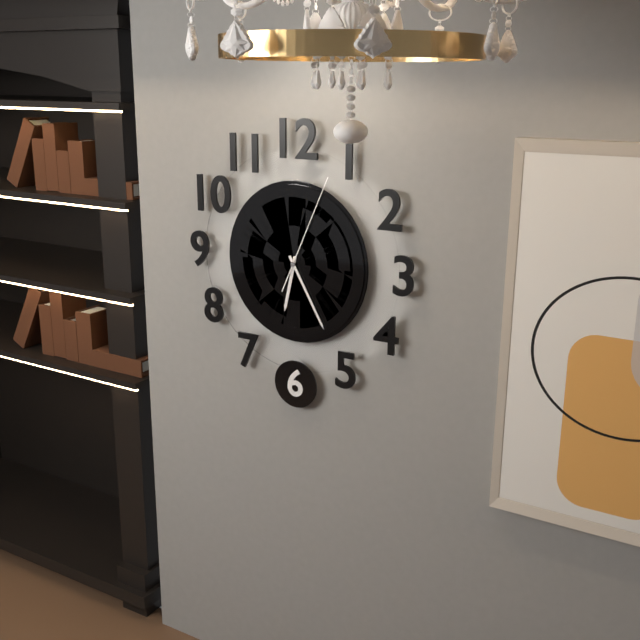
6,25,04
